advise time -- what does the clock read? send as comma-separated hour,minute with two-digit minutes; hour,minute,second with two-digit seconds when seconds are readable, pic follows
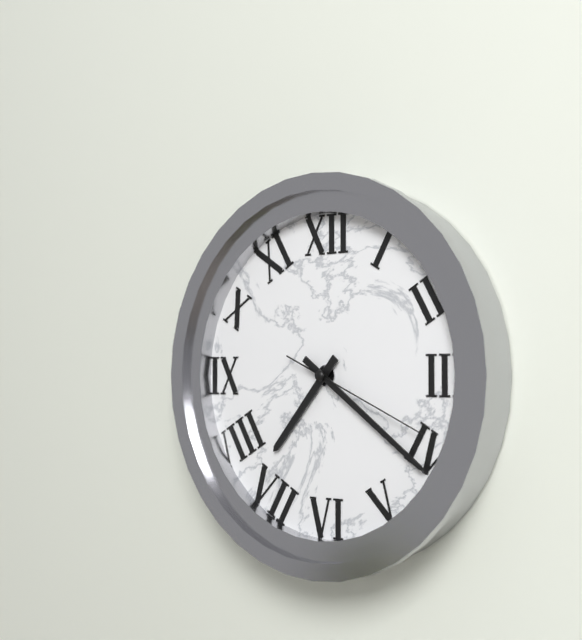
7,21,19
